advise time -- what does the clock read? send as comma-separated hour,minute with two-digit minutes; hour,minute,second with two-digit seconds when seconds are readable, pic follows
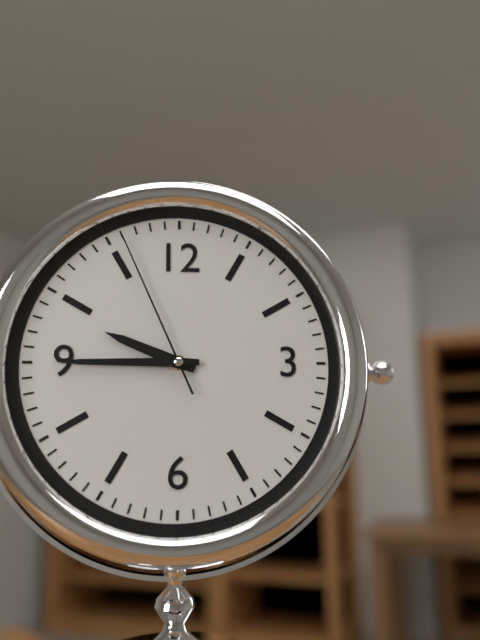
9,45,56
